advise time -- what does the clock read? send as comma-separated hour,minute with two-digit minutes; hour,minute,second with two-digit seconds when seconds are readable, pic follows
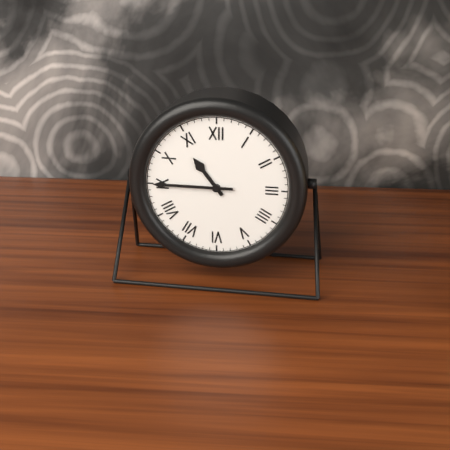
10,45
